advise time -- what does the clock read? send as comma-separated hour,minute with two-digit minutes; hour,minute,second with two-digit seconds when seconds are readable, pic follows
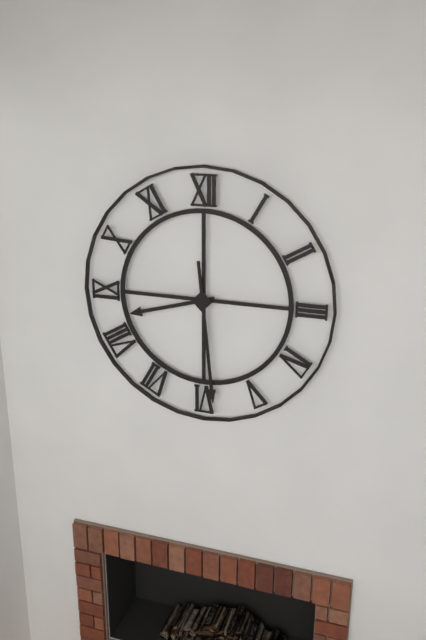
8,29
